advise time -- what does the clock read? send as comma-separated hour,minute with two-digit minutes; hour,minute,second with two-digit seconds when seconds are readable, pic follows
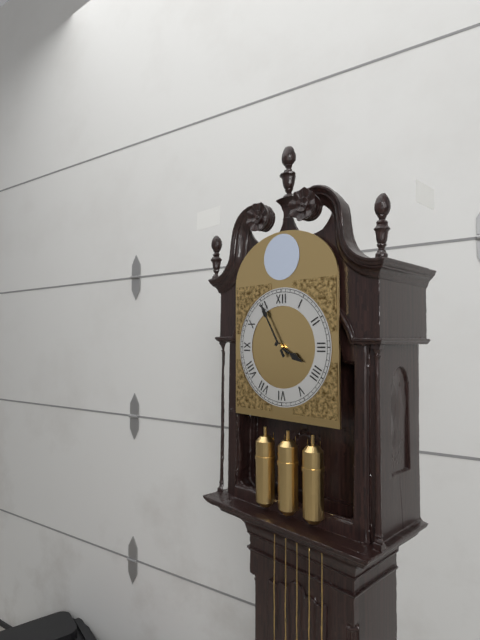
3,55
